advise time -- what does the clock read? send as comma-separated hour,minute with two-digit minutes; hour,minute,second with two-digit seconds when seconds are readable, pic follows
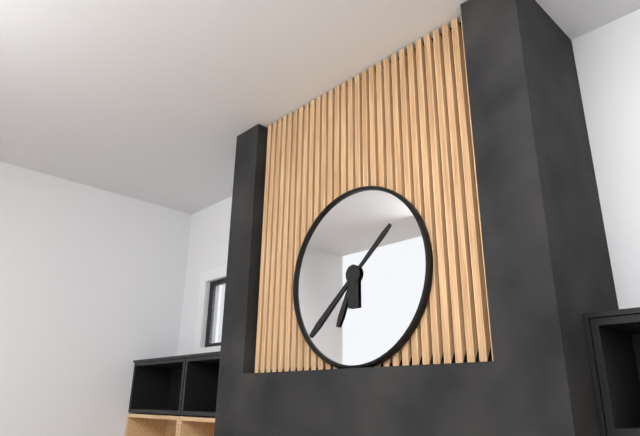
1,38,34
